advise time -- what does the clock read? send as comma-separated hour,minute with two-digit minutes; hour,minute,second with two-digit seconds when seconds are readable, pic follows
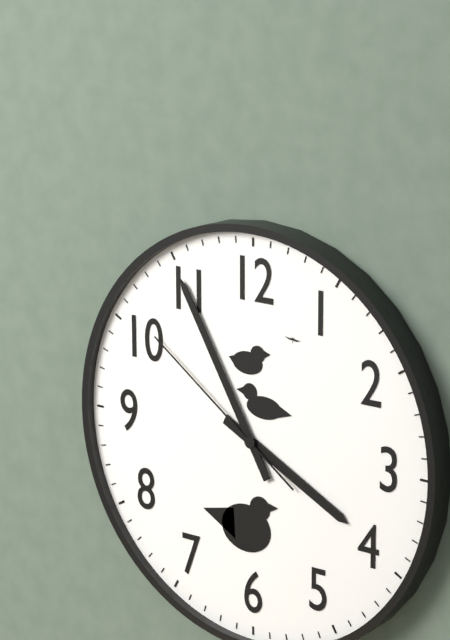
3,55,51
